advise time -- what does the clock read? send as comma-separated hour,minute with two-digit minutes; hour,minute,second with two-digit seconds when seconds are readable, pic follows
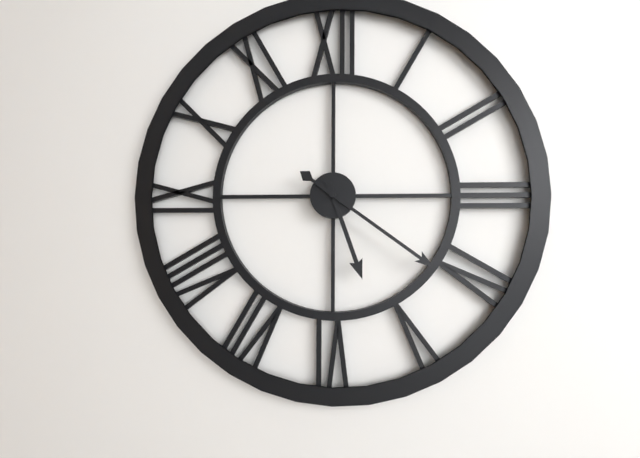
5,21
